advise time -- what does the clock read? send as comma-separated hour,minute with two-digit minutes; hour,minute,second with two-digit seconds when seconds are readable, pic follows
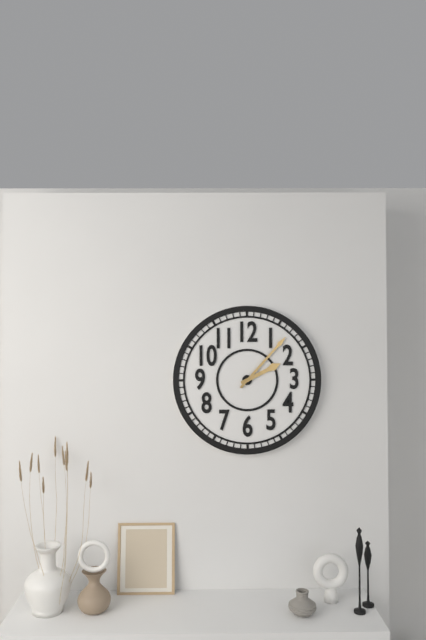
2,07
